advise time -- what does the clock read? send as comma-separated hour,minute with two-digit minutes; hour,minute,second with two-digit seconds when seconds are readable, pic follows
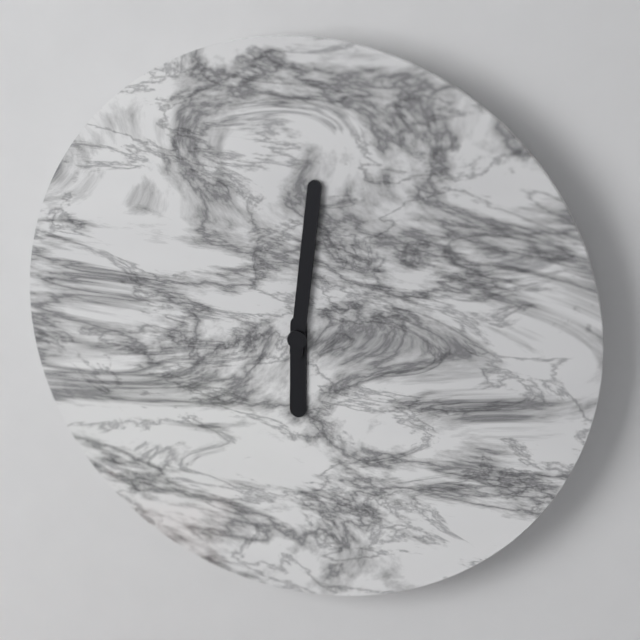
6,01
